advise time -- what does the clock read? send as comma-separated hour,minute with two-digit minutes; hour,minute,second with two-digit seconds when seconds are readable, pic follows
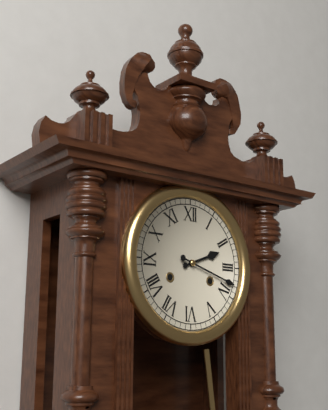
2,18
